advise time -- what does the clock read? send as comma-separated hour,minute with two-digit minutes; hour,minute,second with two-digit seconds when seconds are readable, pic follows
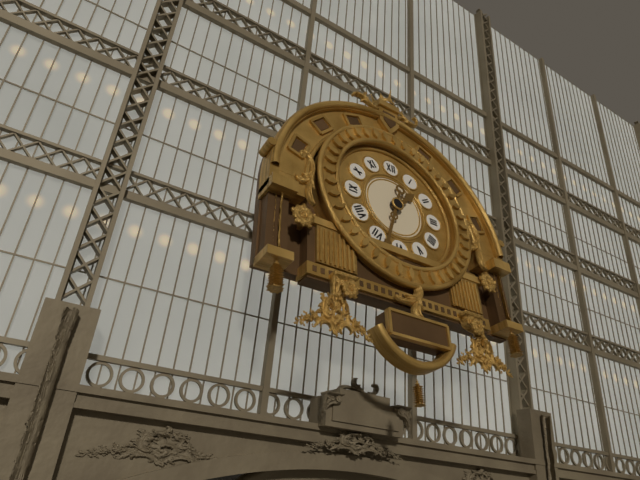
1,33
